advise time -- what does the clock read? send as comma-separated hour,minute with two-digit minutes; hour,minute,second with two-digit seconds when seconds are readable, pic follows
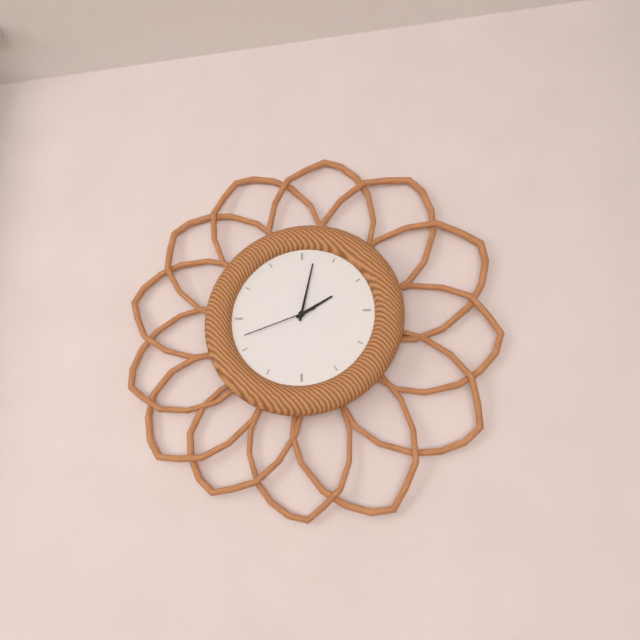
2,02,42
